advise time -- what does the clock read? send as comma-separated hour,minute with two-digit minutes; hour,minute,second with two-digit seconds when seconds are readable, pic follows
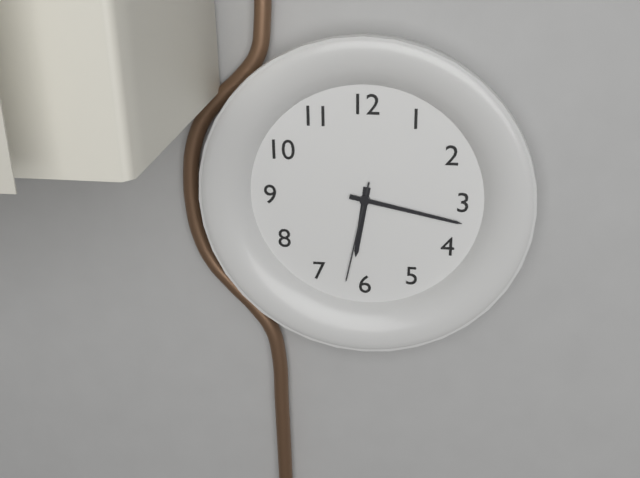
6,17,32
